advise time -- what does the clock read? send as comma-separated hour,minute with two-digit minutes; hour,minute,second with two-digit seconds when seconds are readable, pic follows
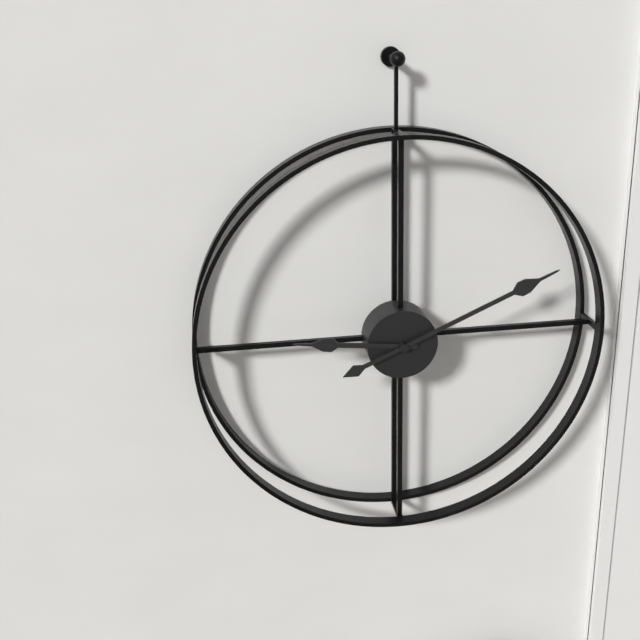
9,11
